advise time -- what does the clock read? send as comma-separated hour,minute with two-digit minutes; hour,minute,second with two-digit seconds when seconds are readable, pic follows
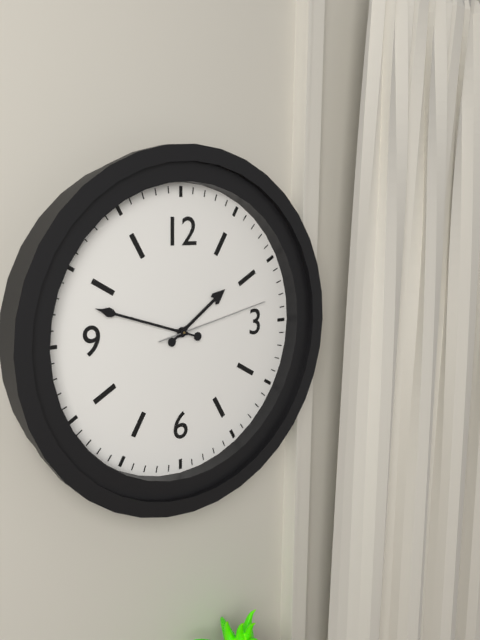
1,48,13
